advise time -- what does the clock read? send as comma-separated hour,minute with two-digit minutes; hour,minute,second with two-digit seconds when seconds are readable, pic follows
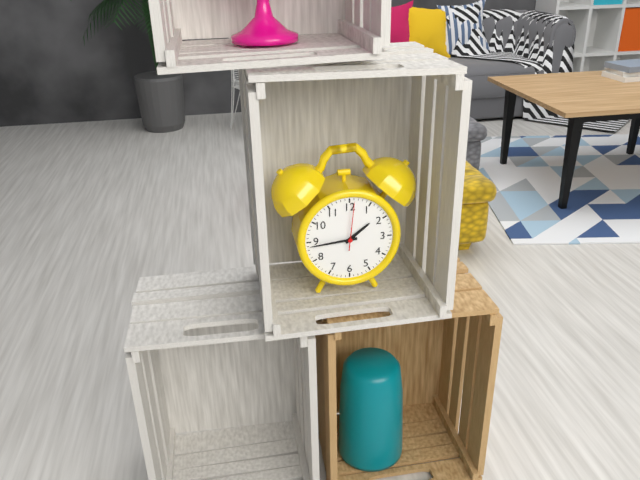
1,44
